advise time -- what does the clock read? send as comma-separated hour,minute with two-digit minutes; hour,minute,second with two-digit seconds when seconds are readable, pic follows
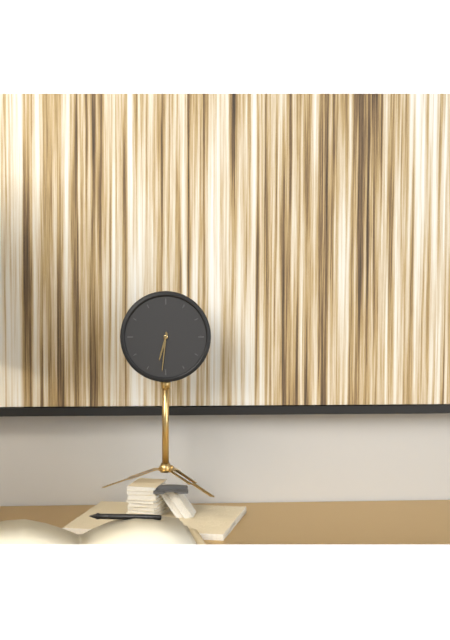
6,31
